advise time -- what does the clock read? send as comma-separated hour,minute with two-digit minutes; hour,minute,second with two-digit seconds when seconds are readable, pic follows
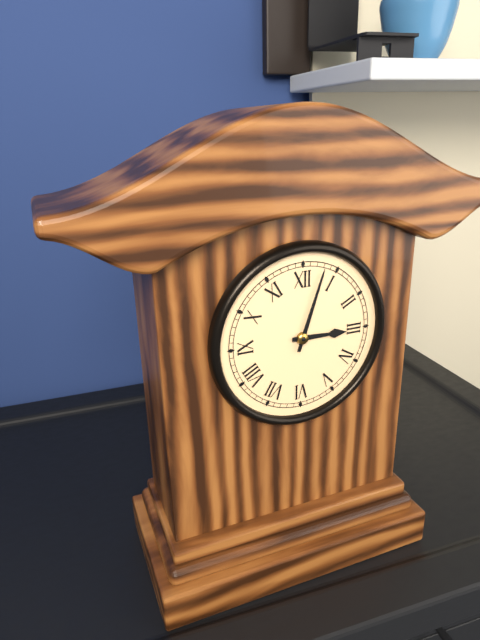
3,03
